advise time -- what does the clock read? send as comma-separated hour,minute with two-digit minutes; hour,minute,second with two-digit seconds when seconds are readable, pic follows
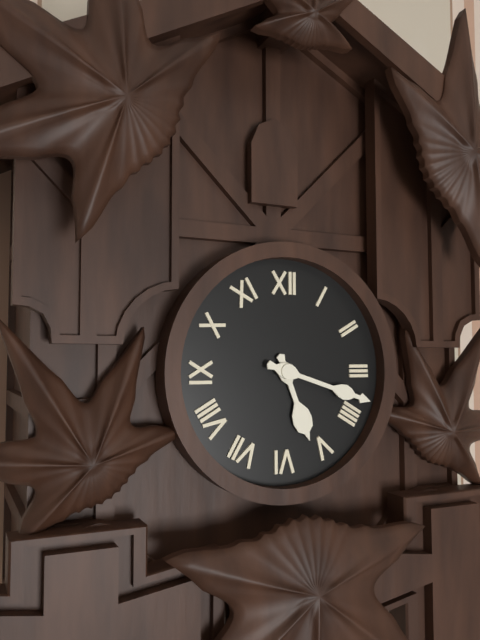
5,18
